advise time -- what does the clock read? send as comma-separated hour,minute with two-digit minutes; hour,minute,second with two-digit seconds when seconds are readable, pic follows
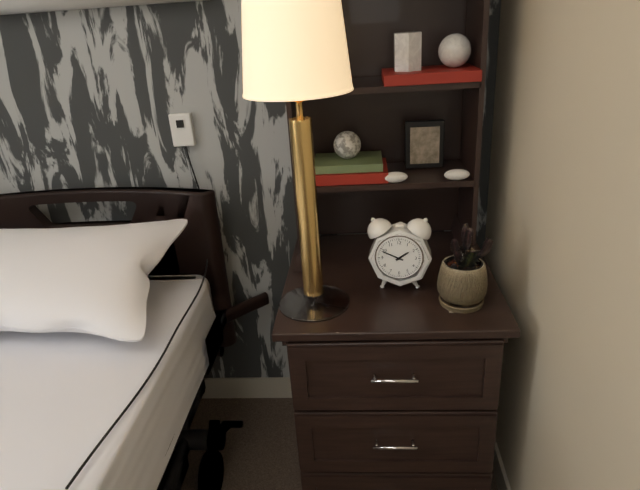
1,49
